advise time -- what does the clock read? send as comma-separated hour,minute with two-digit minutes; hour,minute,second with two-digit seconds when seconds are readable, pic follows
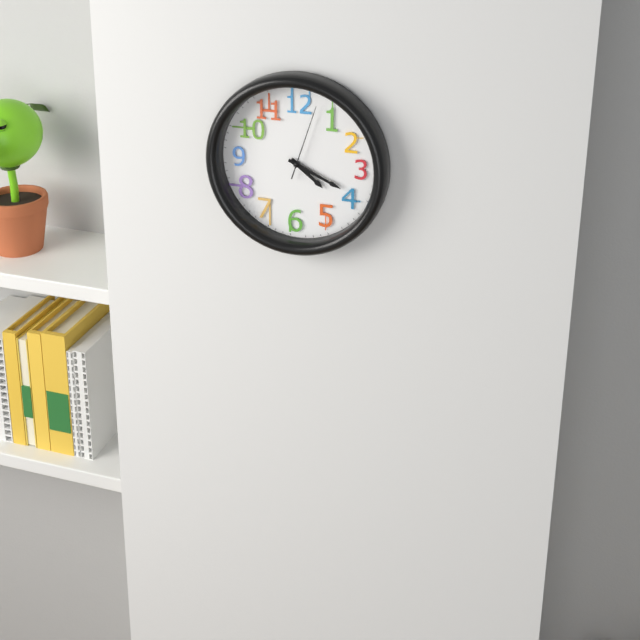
4,19,03
